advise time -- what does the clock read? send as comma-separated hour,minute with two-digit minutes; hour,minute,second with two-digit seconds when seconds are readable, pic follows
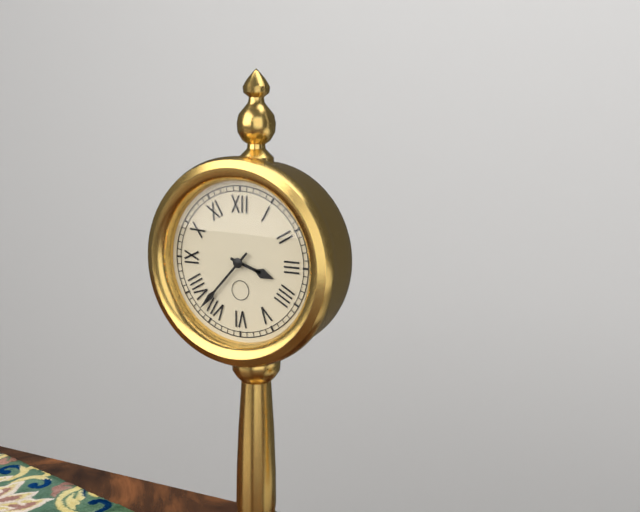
3,37
